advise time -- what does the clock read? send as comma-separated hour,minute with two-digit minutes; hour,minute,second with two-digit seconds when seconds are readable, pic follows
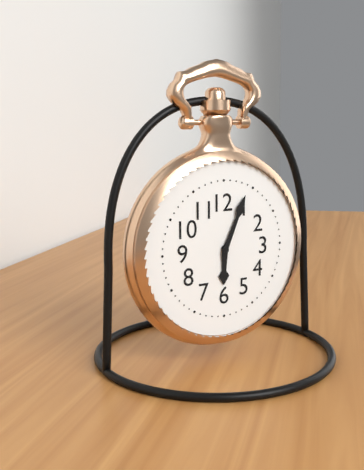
6,04
